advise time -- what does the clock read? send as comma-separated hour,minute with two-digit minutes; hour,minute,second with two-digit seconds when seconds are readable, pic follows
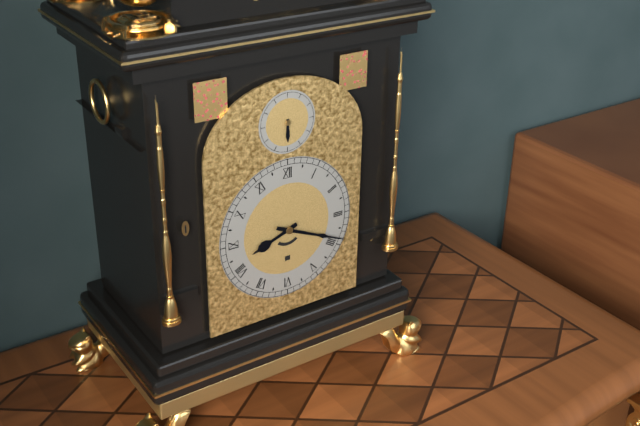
8,19
